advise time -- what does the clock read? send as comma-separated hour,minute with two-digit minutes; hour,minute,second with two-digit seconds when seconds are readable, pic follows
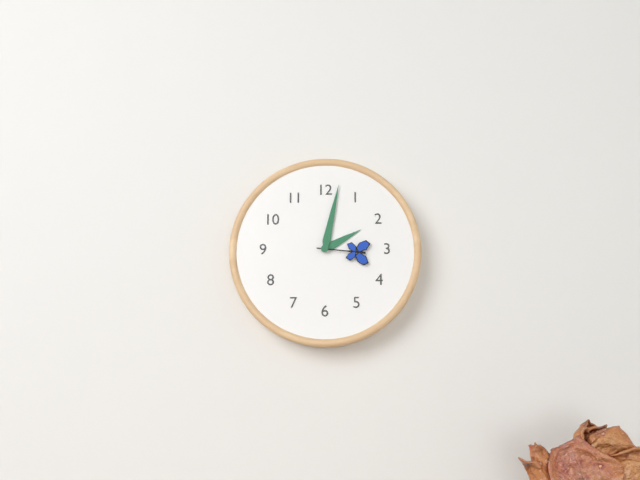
2,02,16
